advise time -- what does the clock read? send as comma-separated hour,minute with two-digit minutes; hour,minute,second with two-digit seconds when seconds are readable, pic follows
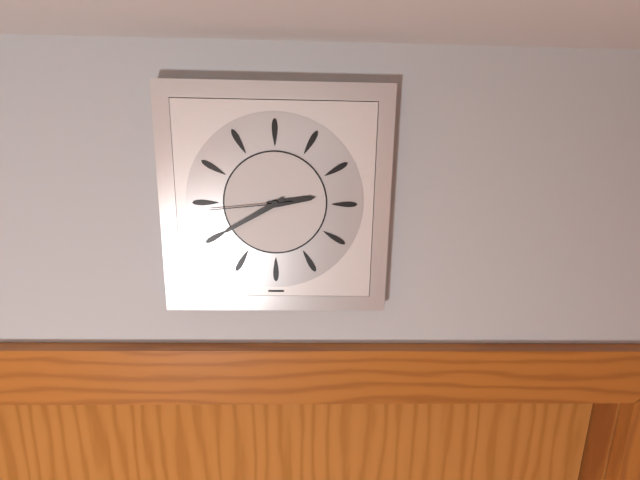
2,40,44
